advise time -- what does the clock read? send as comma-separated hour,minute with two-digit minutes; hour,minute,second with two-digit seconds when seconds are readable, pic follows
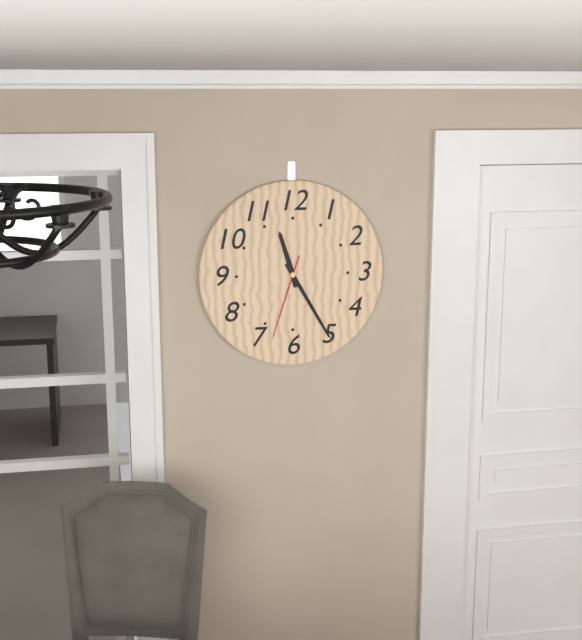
11,25,33
